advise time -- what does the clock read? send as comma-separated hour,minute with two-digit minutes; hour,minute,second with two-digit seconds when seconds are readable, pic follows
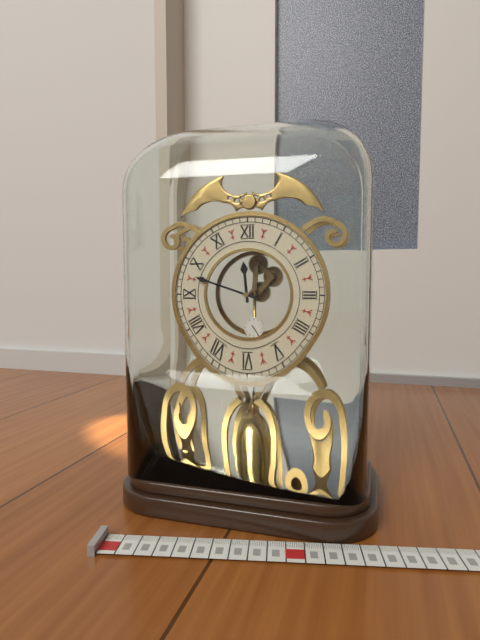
11,48
